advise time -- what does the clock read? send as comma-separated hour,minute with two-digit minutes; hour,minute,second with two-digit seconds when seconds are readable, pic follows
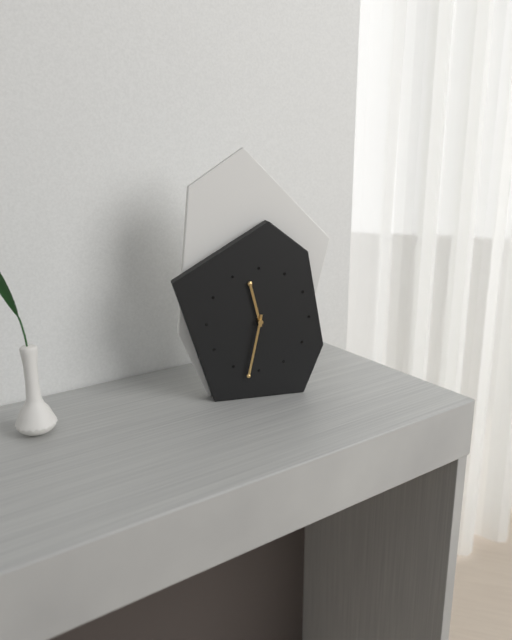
11,32
